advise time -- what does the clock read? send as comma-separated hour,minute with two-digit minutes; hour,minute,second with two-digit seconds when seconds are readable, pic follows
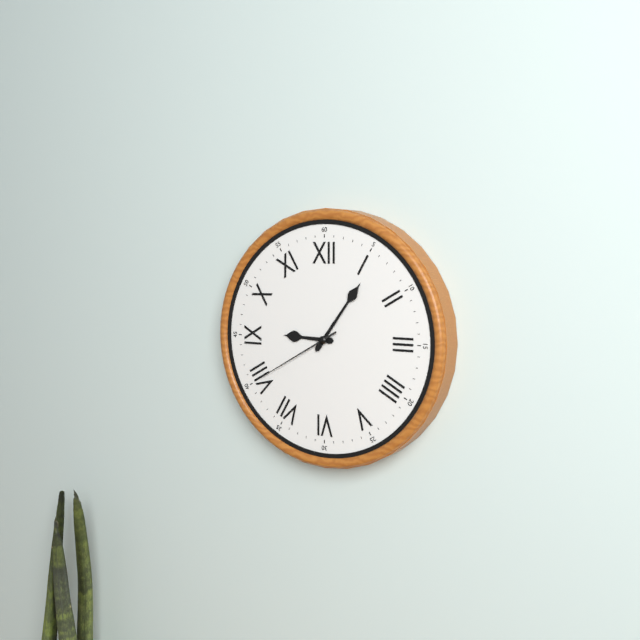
9,06,40
